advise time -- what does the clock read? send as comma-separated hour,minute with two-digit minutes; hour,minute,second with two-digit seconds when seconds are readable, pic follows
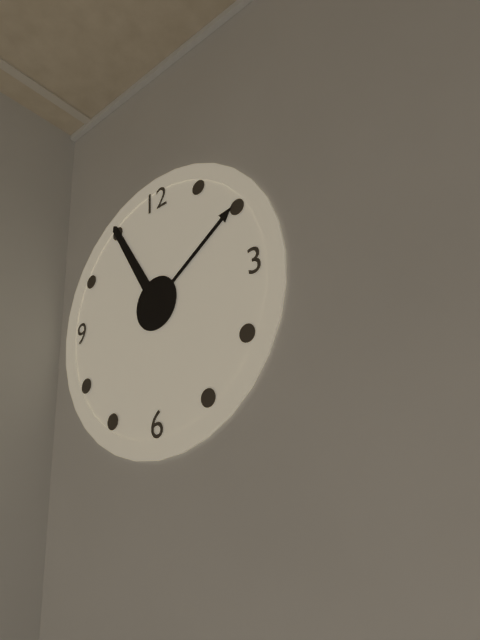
1,55
